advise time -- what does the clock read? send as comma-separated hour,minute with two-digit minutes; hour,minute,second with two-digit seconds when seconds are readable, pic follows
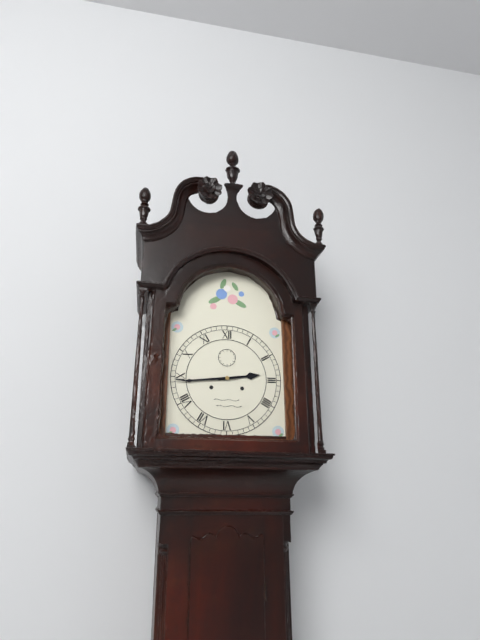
2,44
